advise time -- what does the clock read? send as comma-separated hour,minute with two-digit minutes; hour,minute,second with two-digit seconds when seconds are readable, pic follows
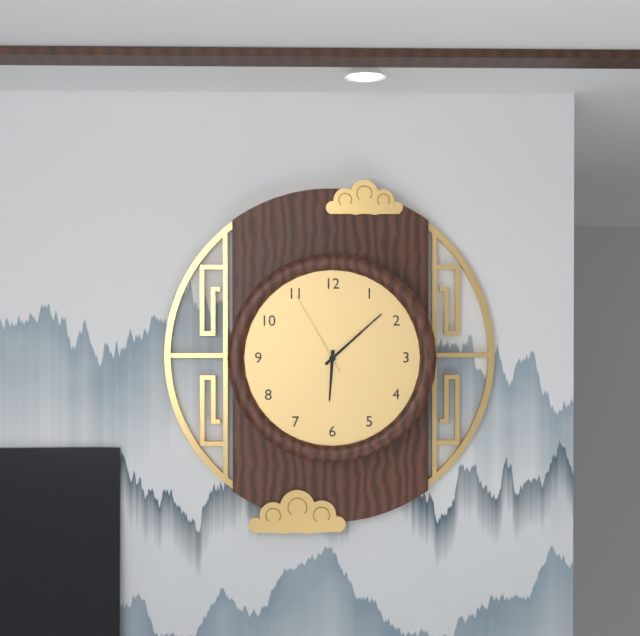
6,08,55
